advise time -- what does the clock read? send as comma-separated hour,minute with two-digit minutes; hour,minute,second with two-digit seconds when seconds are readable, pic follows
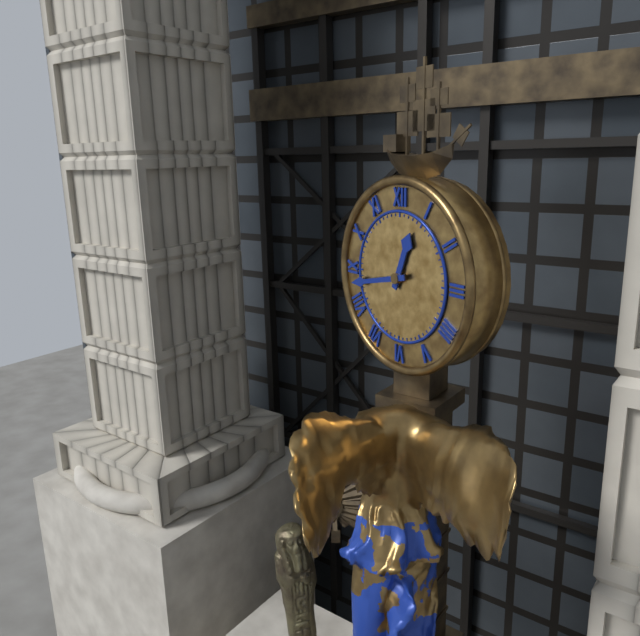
12,43
